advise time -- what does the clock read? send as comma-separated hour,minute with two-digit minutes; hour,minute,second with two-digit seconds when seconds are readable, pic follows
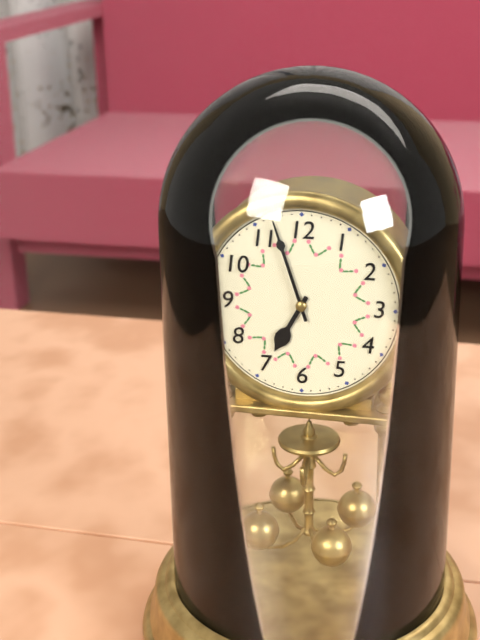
6,57
